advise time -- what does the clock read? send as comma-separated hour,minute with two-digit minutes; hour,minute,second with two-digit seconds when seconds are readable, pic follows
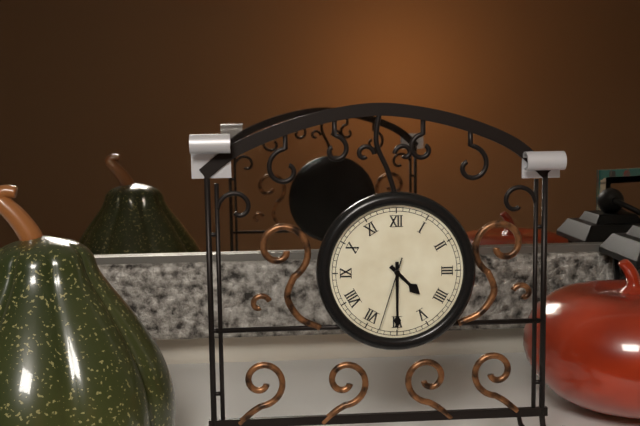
4,30,33
